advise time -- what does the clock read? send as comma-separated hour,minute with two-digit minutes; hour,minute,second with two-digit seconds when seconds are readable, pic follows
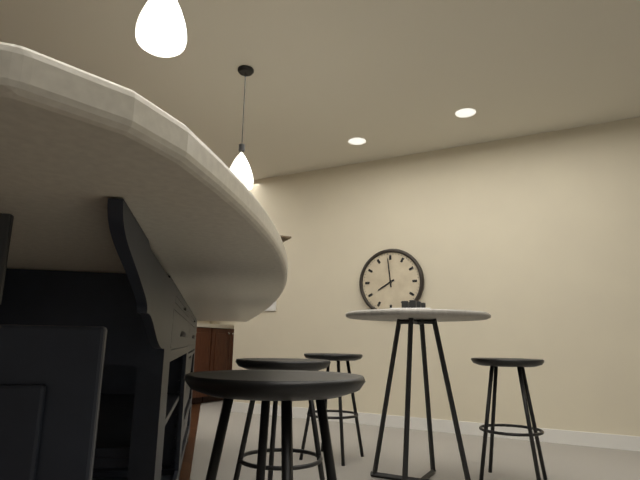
7,59
